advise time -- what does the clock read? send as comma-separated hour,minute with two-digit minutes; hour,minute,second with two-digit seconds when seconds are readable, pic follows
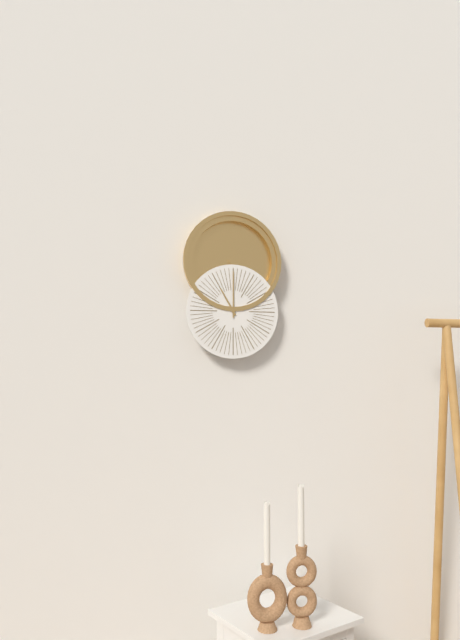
11,00
